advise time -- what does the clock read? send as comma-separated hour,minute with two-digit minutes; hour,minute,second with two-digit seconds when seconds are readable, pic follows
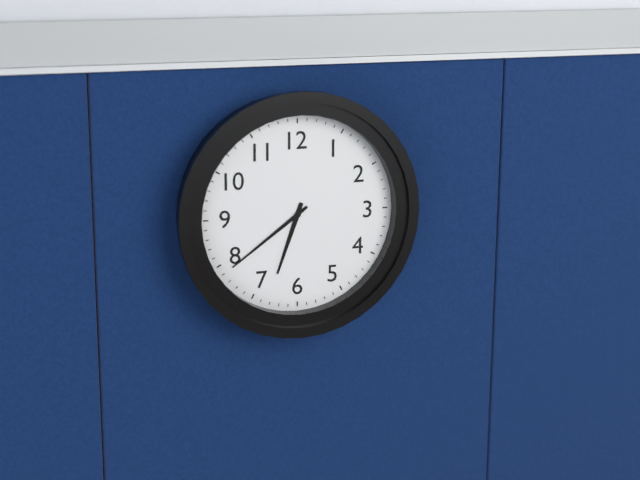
6,39
